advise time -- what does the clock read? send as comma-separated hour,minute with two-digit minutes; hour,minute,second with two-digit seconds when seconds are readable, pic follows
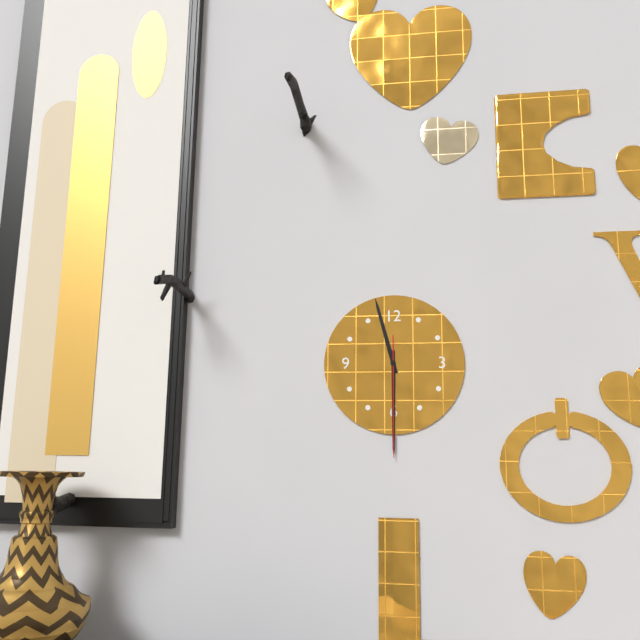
11,30,30
